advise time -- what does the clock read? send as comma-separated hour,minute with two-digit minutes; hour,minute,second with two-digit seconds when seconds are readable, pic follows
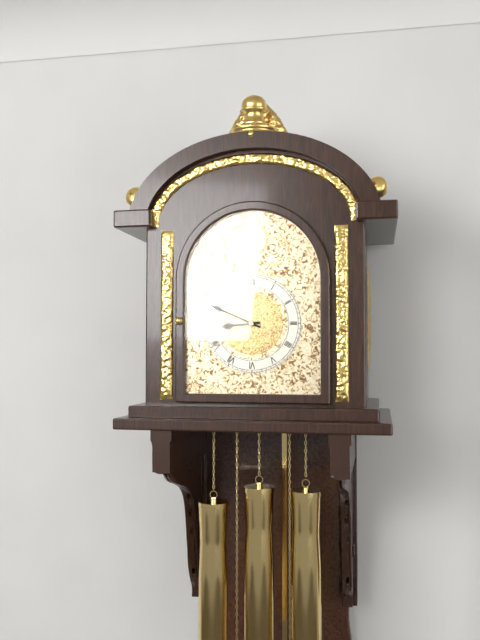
8,49
